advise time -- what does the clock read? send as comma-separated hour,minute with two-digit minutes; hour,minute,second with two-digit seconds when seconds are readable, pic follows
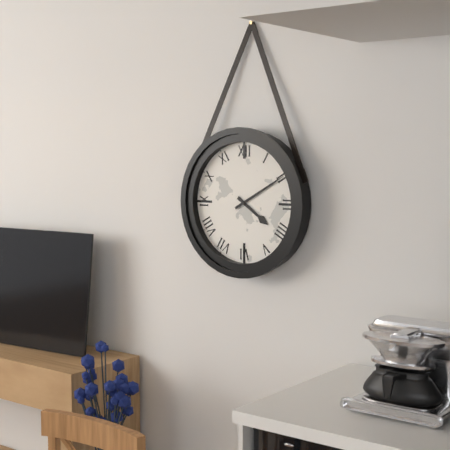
4,10
